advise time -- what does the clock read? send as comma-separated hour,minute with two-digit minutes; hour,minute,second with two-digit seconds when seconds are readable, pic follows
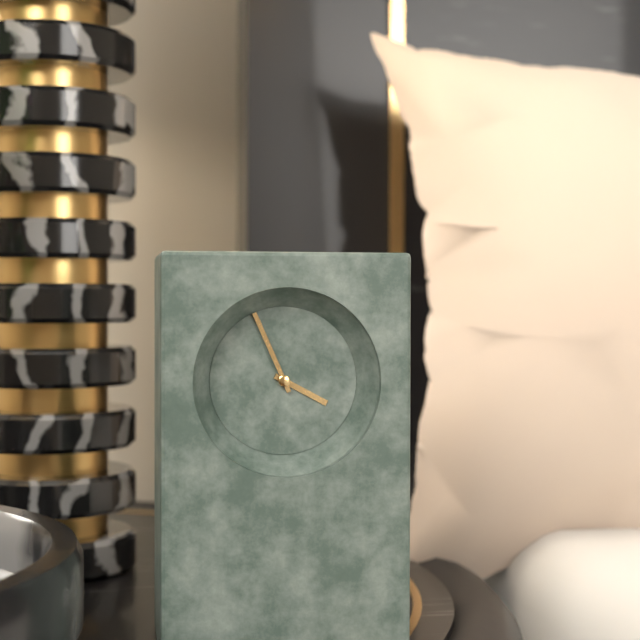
3,56
